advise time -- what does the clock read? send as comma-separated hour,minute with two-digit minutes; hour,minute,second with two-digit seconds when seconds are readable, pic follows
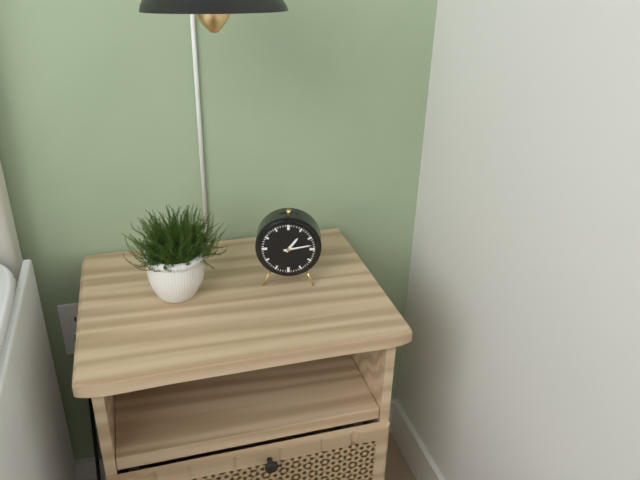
1,13
